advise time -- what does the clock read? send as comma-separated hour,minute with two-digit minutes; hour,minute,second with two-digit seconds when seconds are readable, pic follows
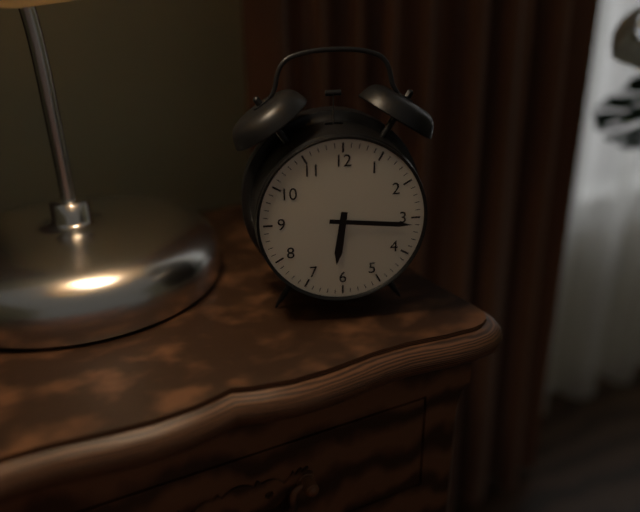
6,16
